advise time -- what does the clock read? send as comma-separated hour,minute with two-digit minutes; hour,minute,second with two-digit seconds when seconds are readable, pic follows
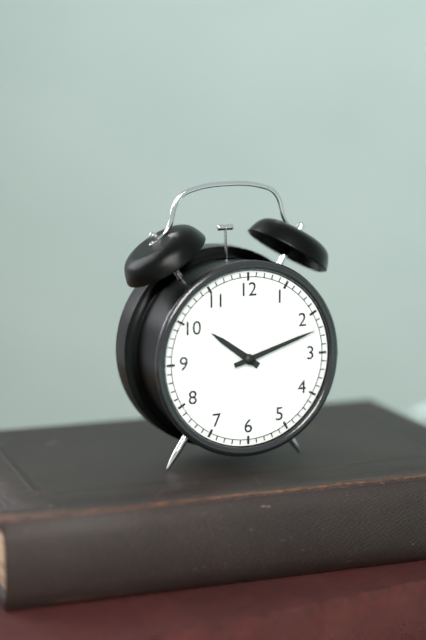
10,12
